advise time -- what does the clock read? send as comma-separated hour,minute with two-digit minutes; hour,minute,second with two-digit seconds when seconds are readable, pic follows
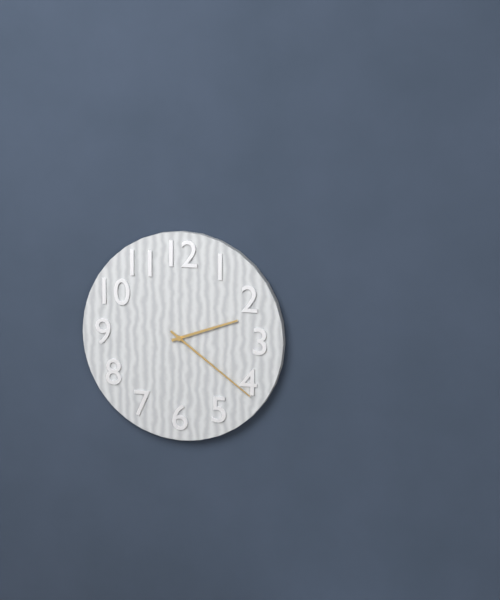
2,21
